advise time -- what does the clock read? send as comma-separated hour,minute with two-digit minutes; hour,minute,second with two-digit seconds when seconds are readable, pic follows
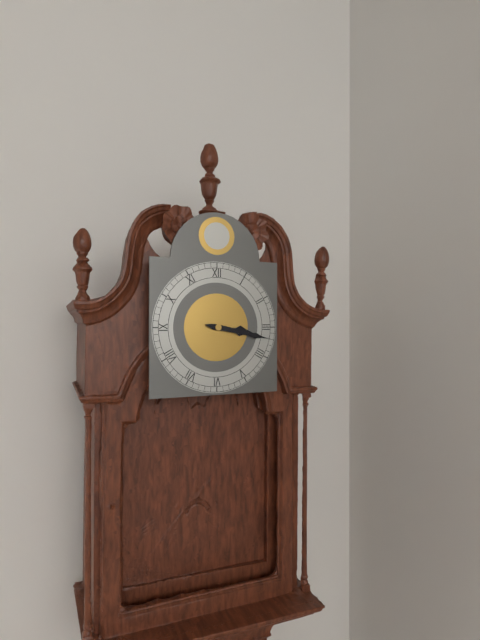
3,17
